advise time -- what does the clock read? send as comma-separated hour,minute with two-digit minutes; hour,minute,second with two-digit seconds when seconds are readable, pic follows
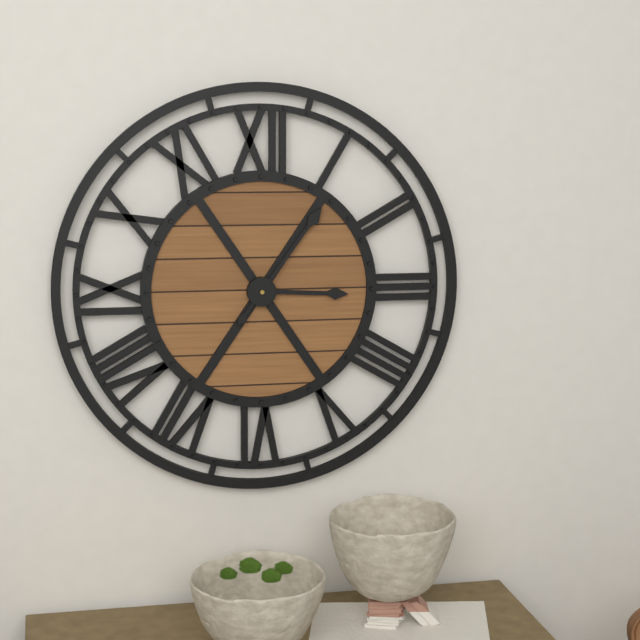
3,06
